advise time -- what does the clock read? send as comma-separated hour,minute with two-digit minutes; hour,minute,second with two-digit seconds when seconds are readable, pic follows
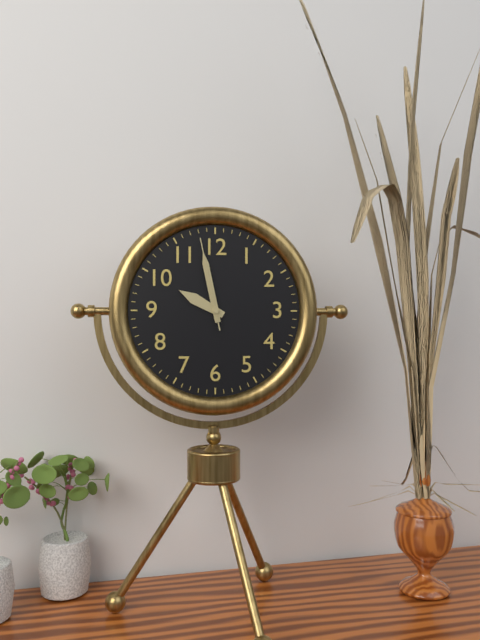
9,58,58
